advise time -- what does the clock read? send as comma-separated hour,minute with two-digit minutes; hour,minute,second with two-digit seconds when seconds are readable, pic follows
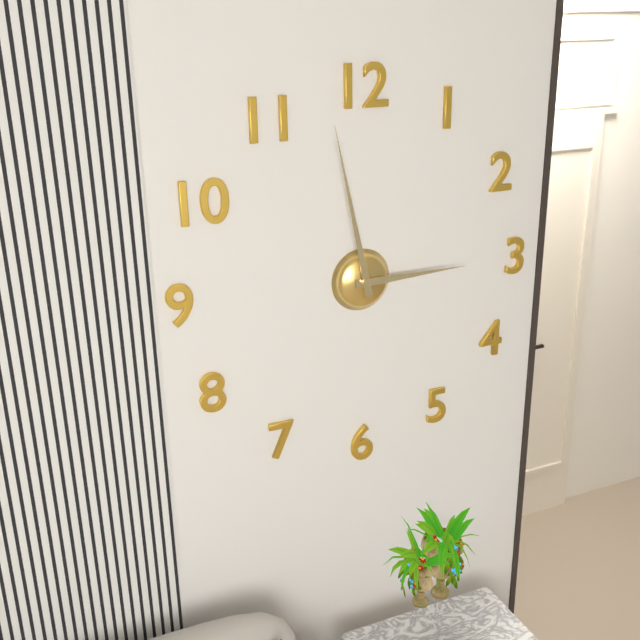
2,58
